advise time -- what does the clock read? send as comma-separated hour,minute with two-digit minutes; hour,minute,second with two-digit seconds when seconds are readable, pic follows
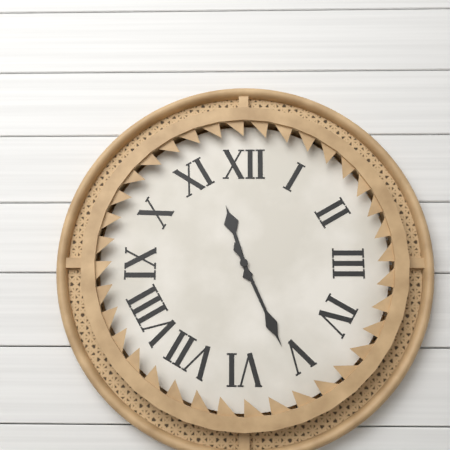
11,26
